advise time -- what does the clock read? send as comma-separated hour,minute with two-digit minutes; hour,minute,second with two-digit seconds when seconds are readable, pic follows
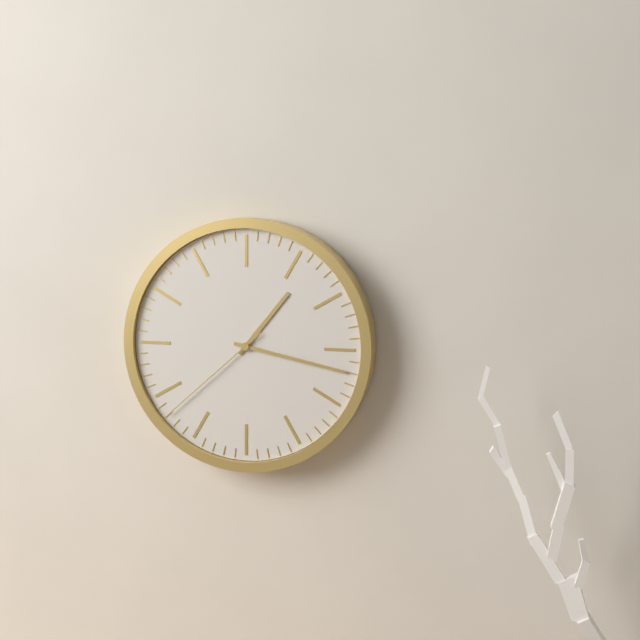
1,17,38
